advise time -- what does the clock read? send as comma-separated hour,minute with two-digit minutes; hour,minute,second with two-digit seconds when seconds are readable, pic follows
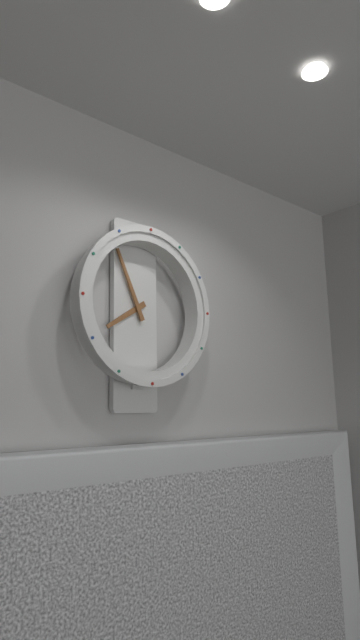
7,56
